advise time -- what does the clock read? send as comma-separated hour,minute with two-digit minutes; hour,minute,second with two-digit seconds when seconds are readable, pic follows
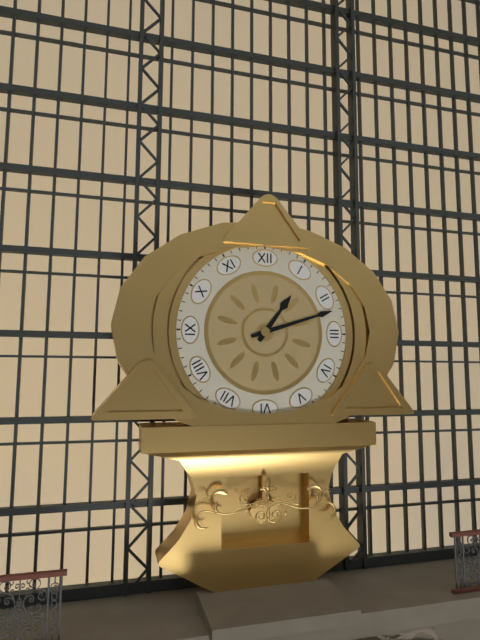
1,12
